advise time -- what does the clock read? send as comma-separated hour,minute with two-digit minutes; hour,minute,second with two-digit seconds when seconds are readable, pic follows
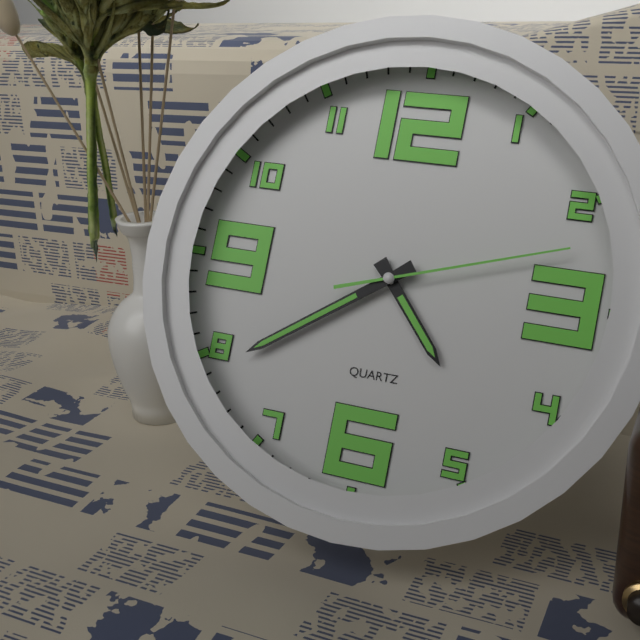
4,39,12
